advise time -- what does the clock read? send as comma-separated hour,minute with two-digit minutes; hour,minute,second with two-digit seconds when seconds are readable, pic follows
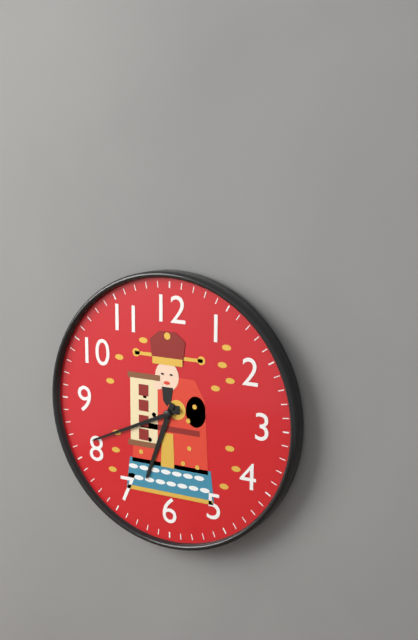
6,41
